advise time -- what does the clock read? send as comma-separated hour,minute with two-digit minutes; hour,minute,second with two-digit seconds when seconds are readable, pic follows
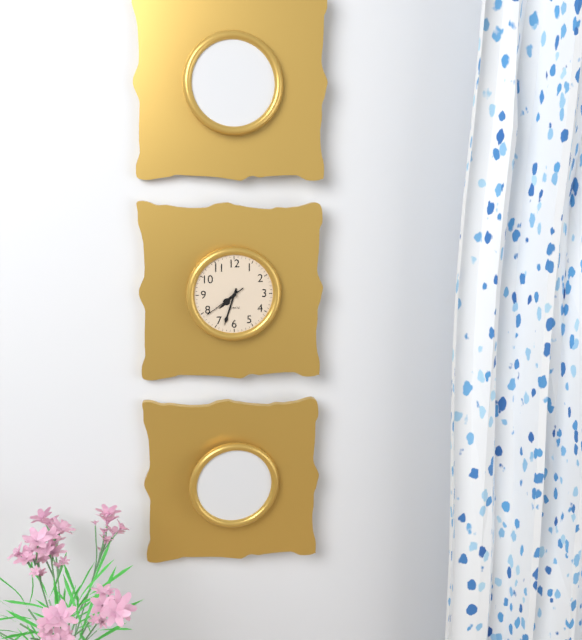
7,33
